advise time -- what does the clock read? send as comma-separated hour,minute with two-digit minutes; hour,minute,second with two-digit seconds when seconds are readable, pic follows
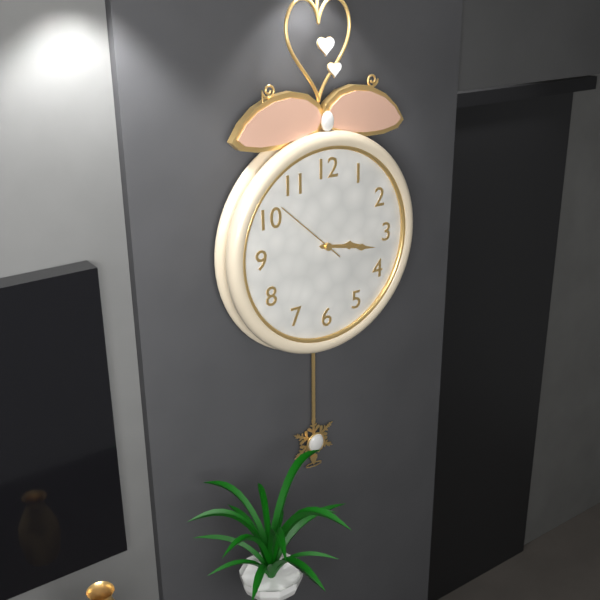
3,17,52
